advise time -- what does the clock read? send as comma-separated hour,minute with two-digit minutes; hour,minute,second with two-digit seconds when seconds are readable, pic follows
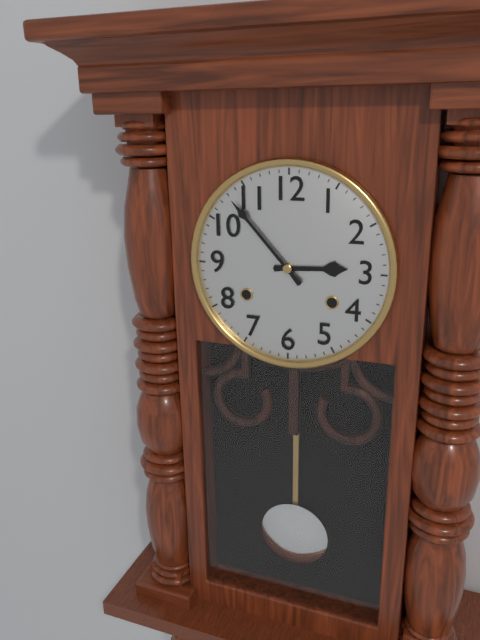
2,53
